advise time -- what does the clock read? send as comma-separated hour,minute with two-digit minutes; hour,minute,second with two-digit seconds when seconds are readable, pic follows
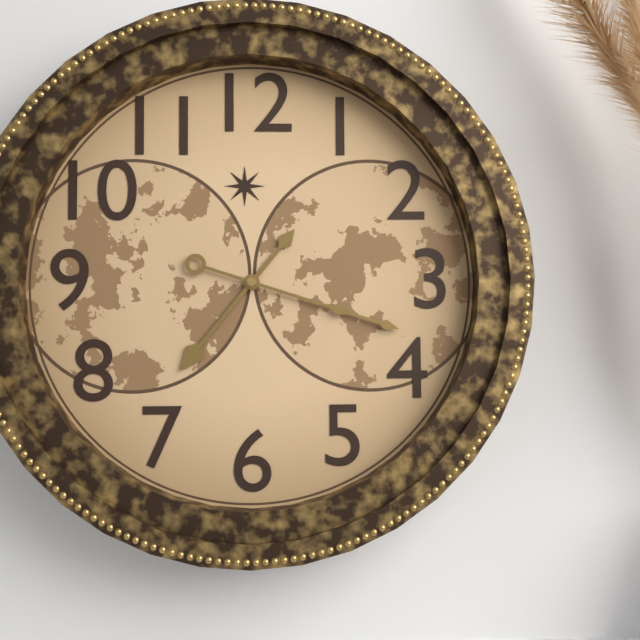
7,18
